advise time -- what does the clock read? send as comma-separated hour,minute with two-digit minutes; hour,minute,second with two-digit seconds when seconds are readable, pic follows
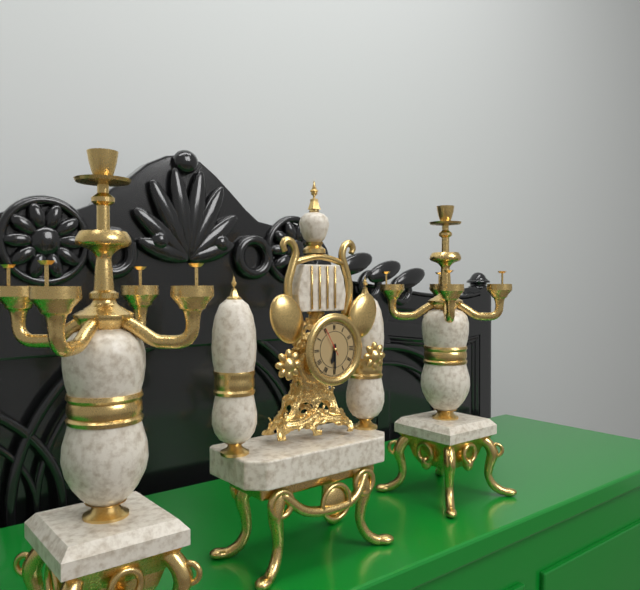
6,30
